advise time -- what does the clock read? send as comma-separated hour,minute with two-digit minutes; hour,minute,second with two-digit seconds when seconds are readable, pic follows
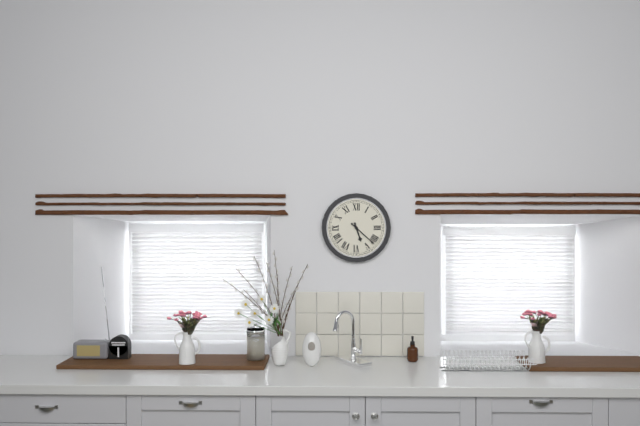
5,22
